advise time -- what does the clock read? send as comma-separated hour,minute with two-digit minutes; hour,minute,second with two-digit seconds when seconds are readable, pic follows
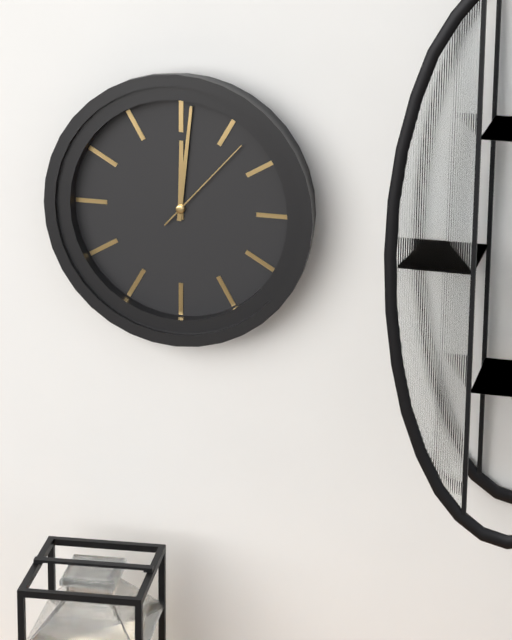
12,01,07
